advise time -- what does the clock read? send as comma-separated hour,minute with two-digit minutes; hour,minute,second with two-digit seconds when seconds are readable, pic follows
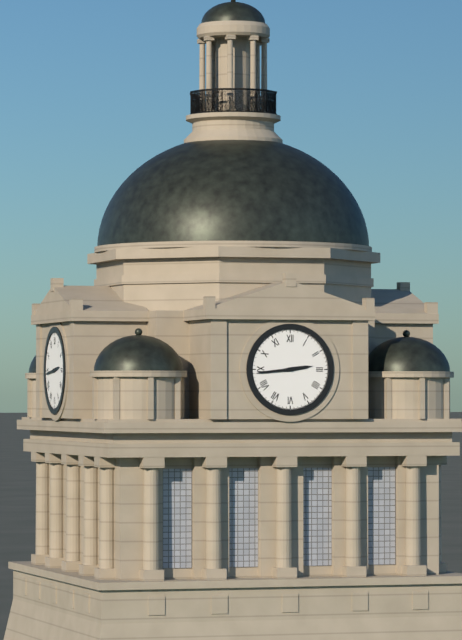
2,44
